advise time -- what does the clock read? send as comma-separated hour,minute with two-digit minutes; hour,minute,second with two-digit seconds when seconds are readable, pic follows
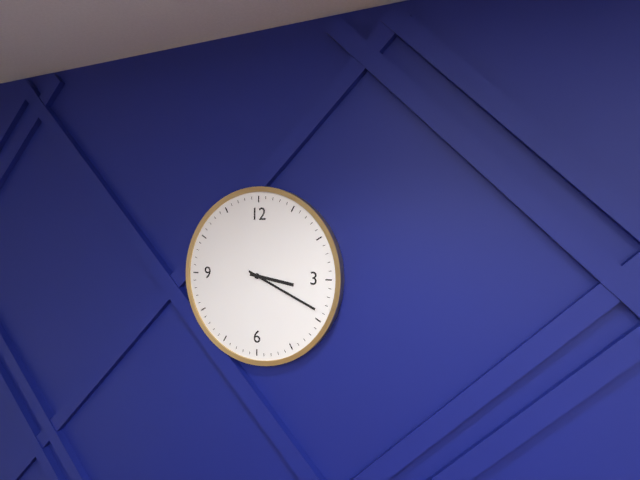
3,19
